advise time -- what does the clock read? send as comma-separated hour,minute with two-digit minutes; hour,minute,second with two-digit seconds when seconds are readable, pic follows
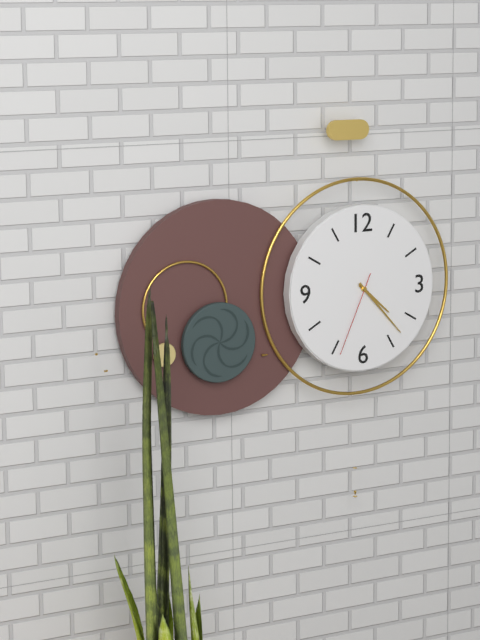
4,23,34
